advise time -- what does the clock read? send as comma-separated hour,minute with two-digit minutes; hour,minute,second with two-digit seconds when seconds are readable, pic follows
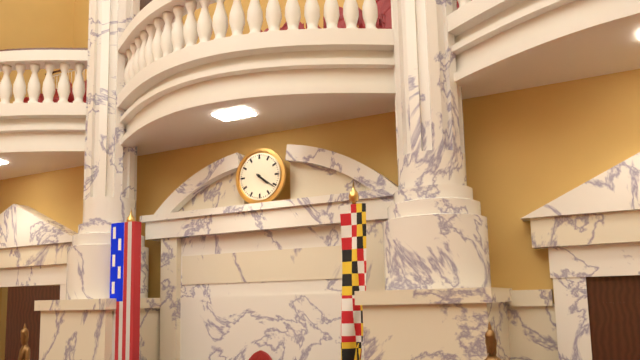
4,21
